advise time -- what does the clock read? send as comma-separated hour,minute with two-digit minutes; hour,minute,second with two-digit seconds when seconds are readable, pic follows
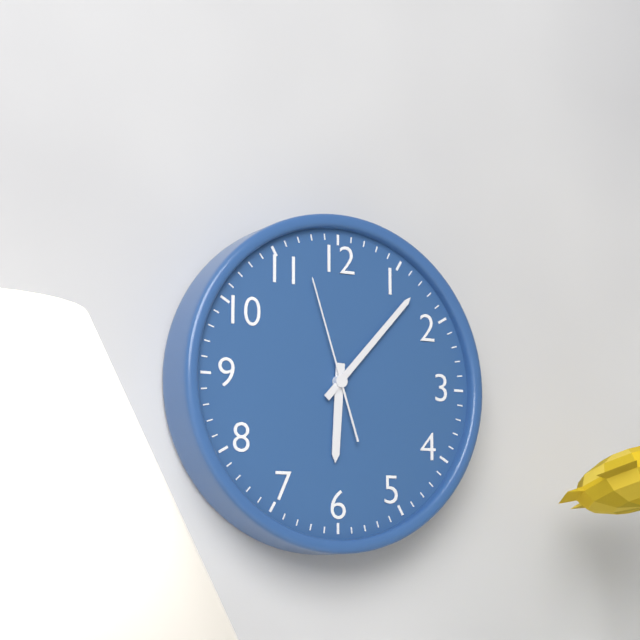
6,07,57
